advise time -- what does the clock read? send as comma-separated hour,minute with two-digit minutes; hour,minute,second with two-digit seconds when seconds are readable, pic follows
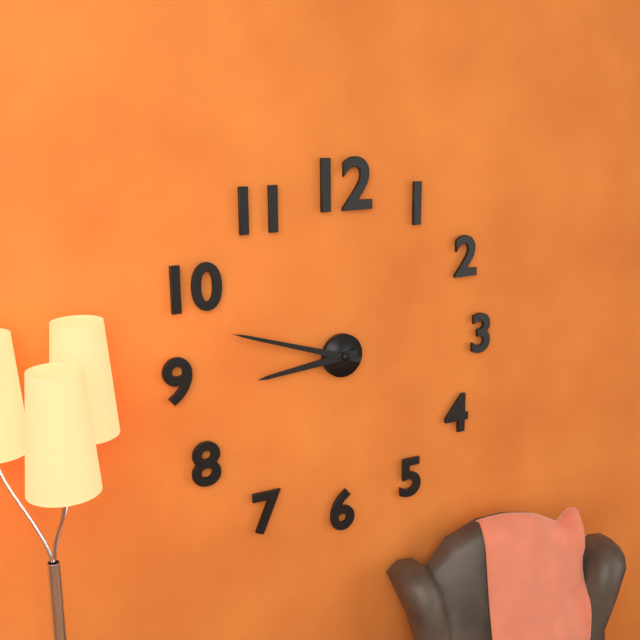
8,48
